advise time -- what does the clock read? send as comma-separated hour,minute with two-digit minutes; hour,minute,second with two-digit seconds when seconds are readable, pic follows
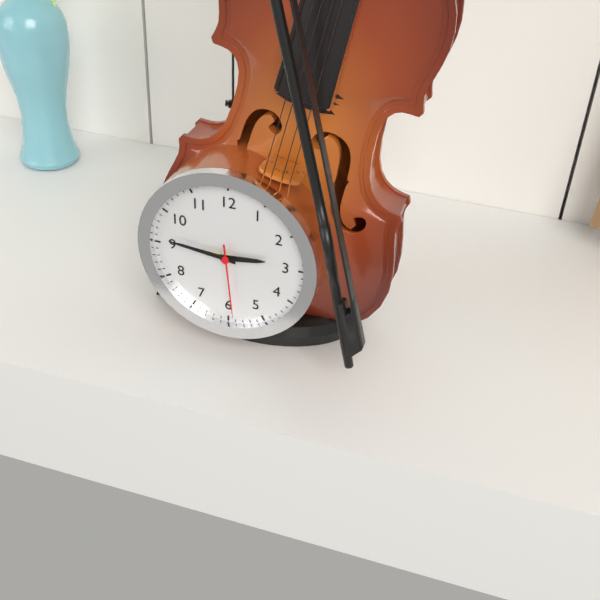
2,46,29
